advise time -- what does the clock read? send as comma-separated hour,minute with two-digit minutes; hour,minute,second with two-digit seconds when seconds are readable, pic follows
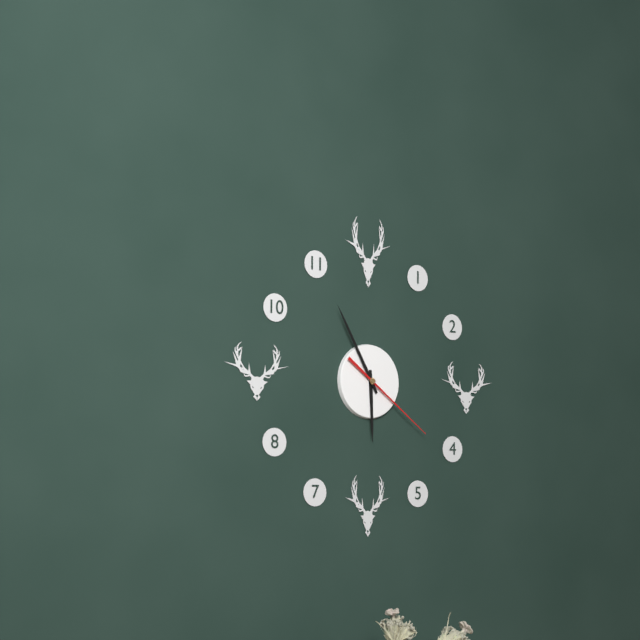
5,55,21
